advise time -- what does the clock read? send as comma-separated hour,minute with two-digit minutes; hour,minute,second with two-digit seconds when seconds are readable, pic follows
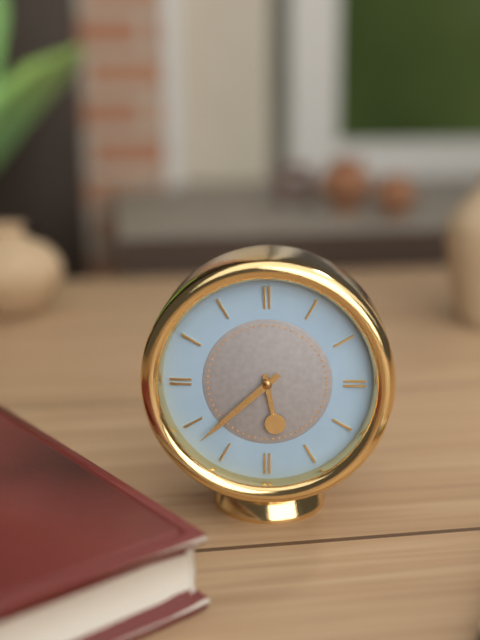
5,38
